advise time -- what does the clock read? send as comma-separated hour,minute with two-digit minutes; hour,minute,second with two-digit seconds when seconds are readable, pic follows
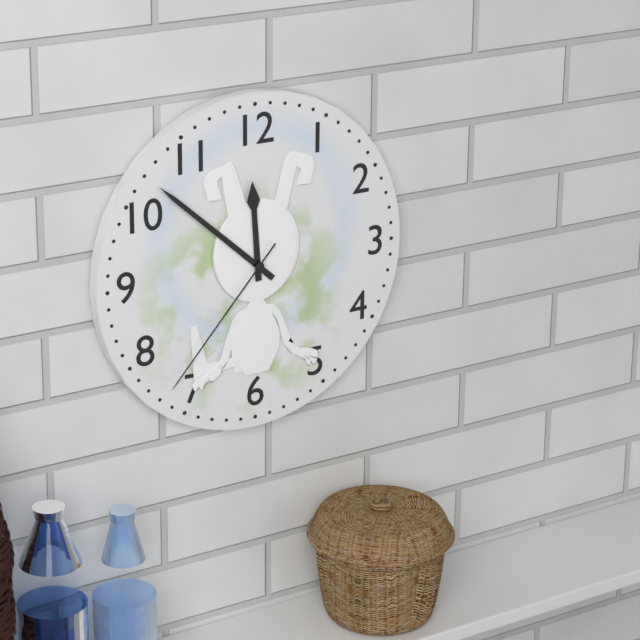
11,52,37
